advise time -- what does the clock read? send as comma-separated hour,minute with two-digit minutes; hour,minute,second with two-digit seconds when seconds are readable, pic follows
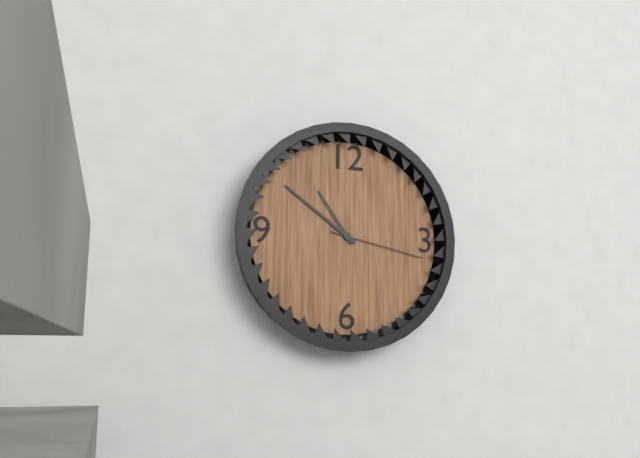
10,51,17
